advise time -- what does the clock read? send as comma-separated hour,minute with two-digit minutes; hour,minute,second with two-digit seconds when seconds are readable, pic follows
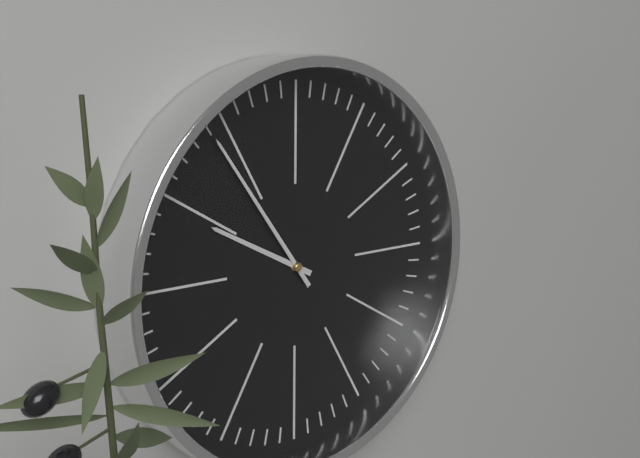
9,54
